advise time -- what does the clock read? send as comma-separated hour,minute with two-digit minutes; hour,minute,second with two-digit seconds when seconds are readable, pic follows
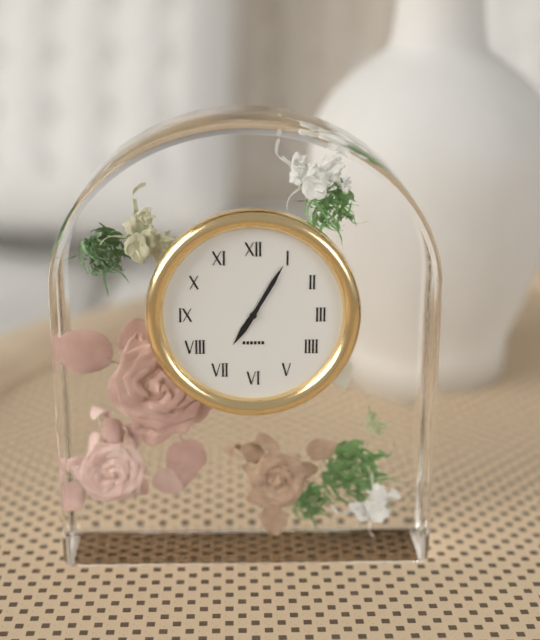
7,05
